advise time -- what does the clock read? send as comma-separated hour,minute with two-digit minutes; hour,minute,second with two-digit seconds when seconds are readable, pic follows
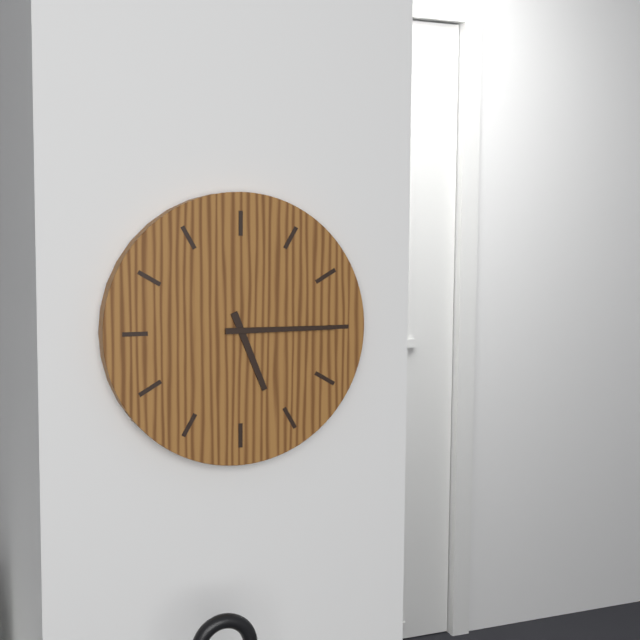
5,15
